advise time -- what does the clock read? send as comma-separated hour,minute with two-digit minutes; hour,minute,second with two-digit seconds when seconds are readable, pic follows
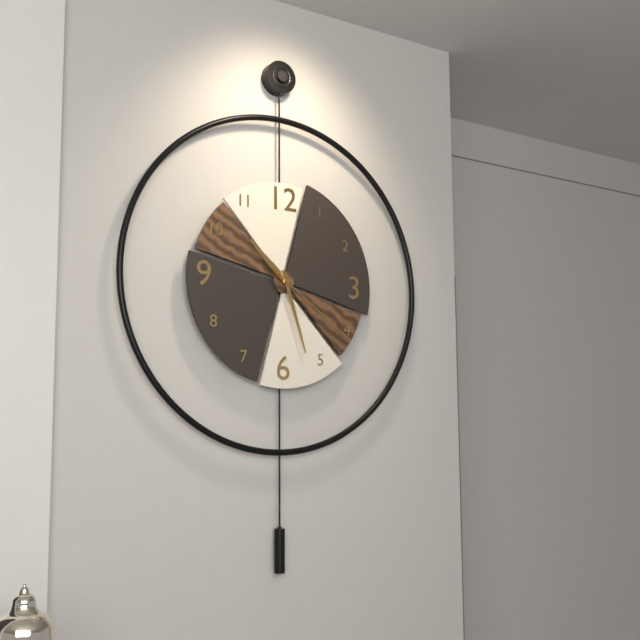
10,27,21
